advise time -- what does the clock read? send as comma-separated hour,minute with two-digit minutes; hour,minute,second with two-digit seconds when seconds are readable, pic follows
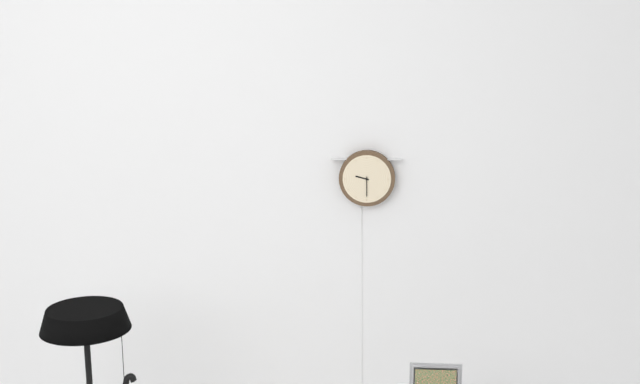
9,30
